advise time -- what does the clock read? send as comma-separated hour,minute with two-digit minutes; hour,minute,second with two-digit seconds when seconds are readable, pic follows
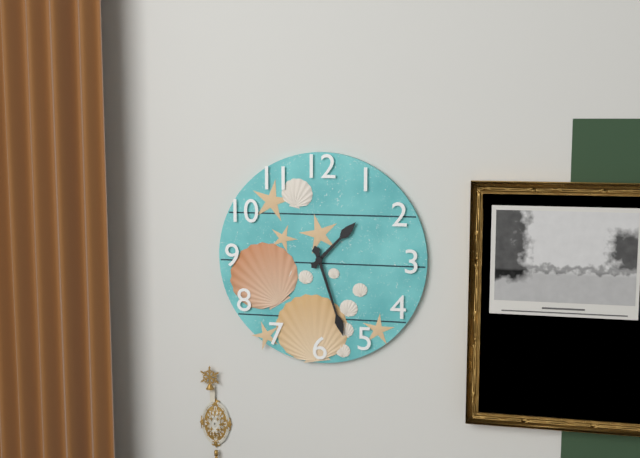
1,27
